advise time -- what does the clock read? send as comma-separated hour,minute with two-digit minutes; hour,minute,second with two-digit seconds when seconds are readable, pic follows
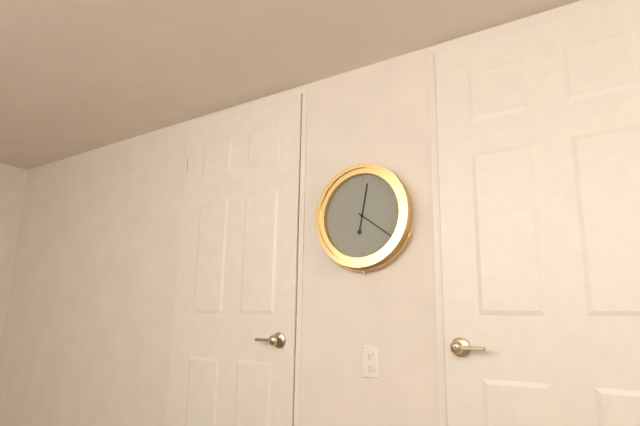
12,21
